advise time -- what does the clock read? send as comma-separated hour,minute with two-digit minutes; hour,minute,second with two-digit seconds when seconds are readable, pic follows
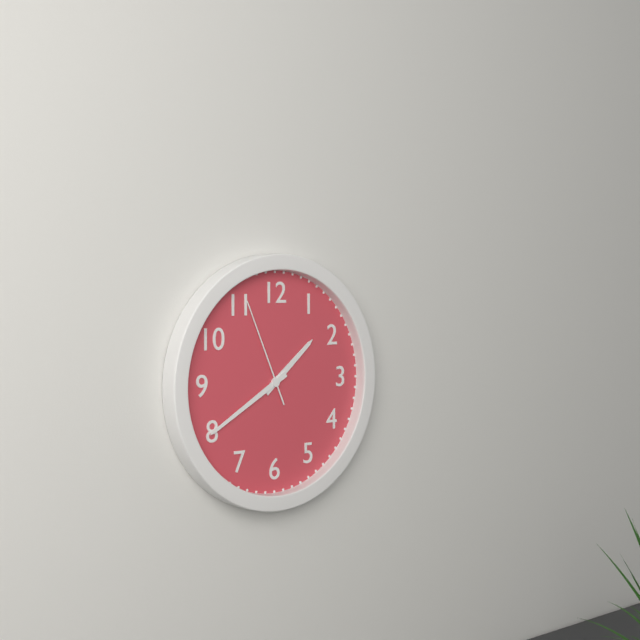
1,40,56
